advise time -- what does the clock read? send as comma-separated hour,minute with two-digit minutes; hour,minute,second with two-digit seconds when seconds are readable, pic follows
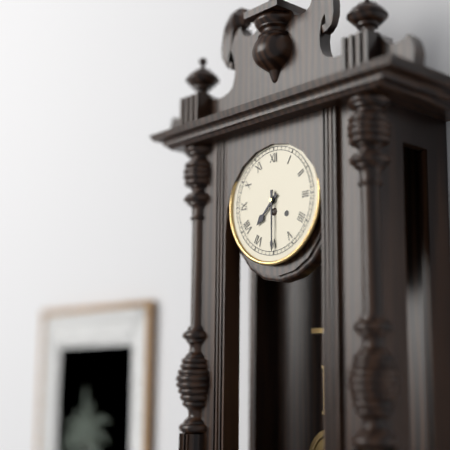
7,30
